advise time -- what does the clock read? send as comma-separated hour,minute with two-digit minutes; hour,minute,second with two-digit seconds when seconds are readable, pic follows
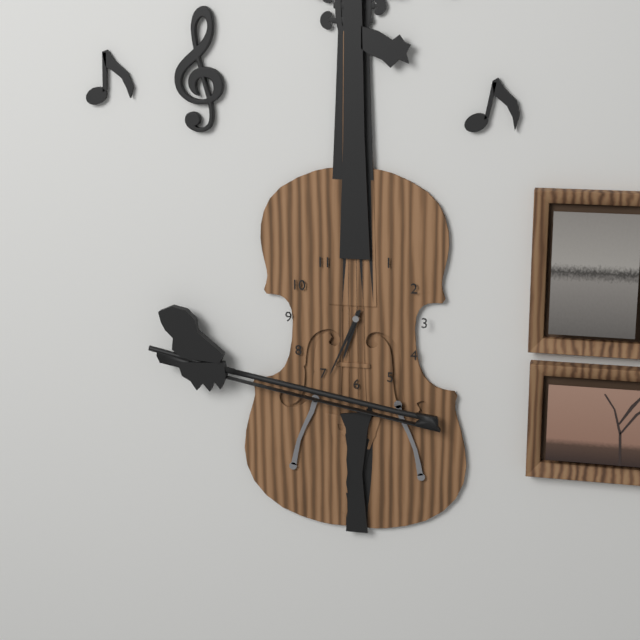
6,34
